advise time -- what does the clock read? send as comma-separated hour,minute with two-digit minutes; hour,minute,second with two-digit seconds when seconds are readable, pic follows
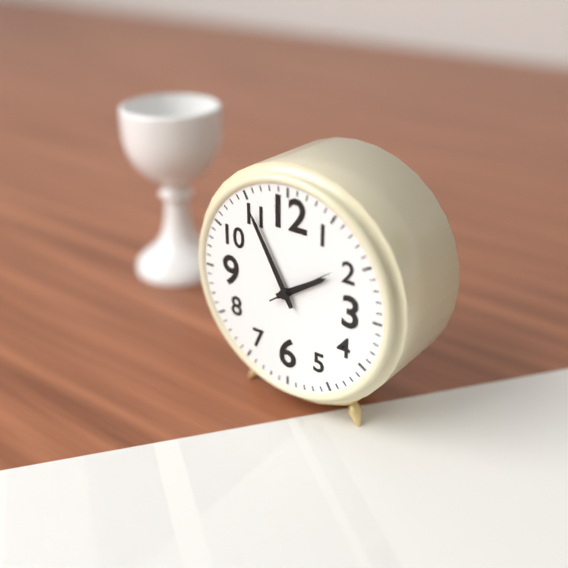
1,55,09
